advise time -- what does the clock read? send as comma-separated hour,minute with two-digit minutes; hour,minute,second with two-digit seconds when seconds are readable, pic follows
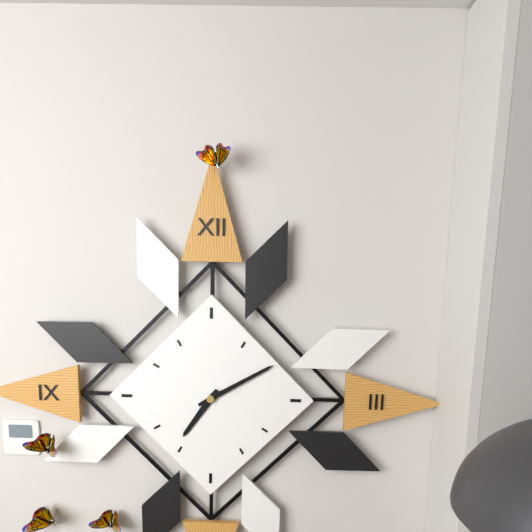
7,10
